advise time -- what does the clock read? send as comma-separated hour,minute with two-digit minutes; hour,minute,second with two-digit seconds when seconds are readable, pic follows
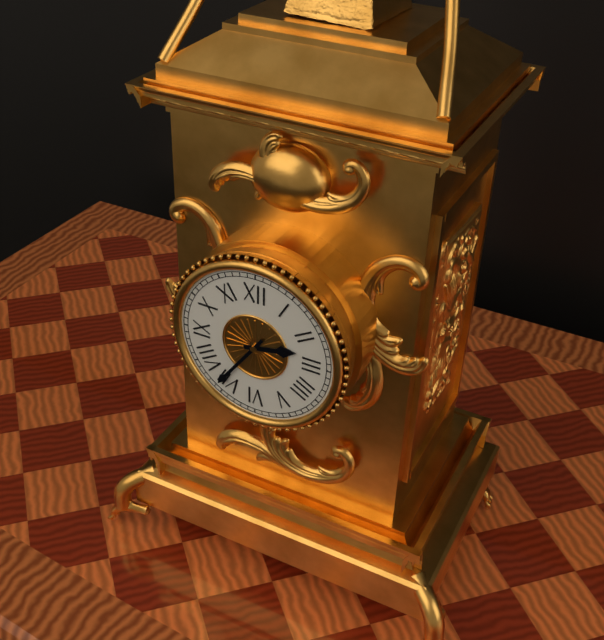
2,36
